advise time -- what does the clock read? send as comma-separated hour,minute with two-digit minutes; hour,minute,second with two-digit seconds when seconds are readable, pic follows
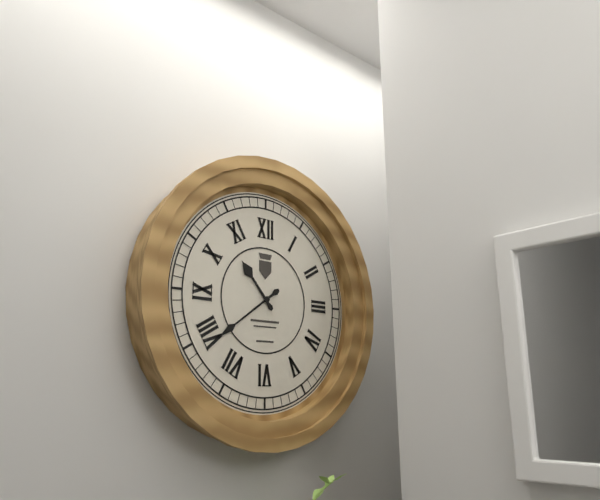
10,39
